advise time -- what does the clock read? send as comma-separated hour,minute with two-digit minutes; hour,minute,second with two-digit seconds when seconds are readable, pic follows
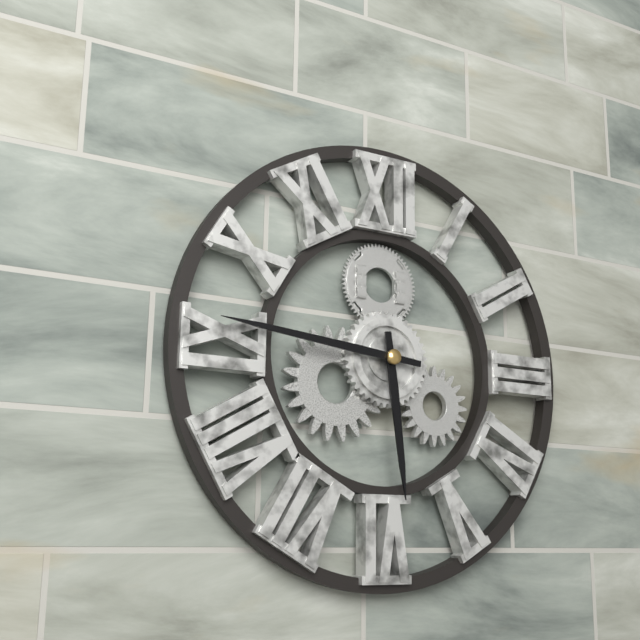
5,46
